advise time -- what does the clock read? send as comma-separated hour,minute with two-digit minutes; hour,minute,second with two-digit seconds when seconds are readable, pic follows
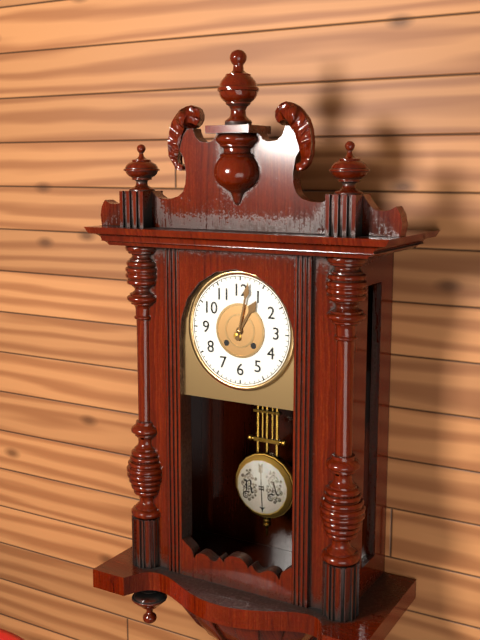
1,02
